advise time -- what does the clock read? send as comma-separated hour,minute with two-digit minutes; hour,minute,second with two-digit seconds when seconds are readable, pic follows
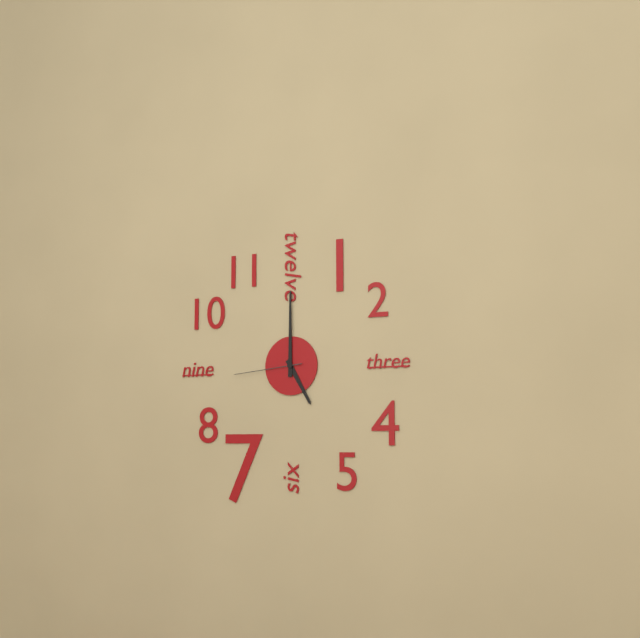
5,00,44
